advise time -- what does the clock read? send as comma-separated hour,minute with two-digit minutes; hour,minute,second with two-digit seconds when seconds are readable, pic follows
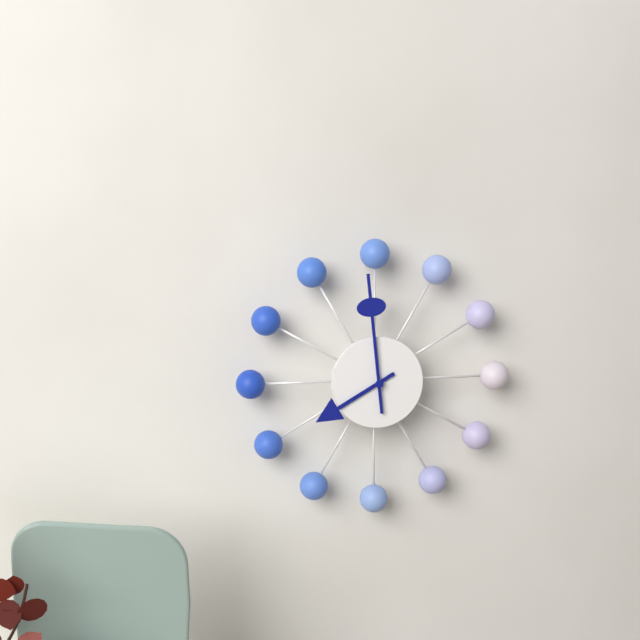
7,59
